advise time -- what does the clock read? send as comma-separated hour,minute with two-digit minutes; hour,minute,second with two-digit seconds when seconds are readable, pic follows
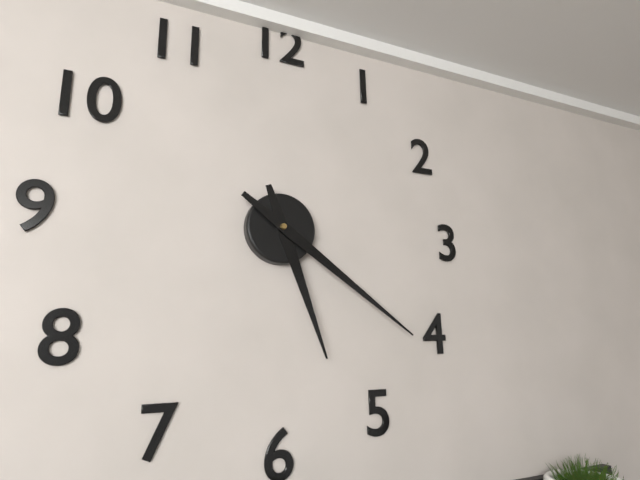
5,21
